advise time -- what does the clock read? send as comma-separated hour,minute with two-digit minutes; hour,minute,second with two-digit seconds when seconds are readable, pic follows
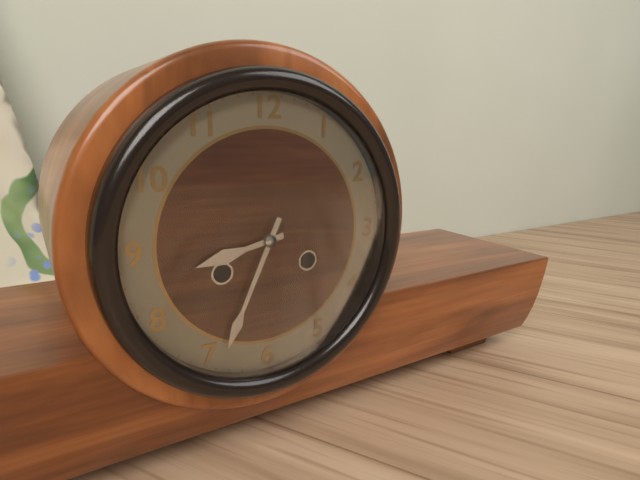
8,34
